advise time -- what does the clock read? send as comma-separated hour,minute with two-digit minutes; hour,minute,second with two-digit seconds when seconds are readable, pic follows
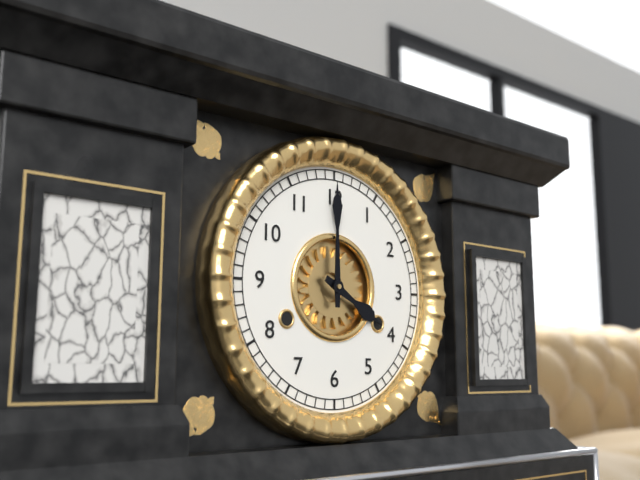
4,00
